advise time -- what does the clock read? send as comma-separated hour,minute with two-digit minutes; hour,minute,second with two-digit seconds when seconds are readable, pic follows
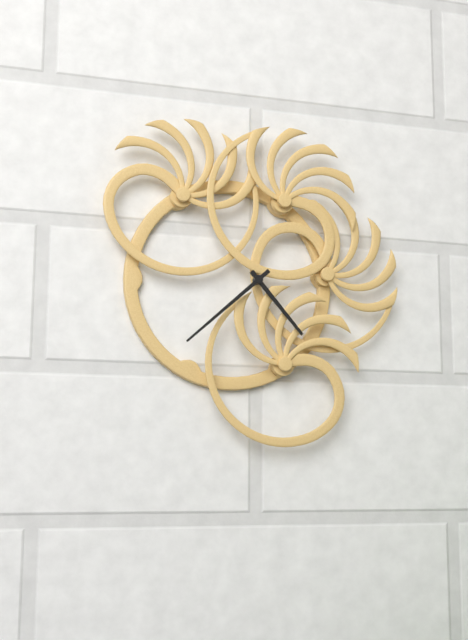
4,38
